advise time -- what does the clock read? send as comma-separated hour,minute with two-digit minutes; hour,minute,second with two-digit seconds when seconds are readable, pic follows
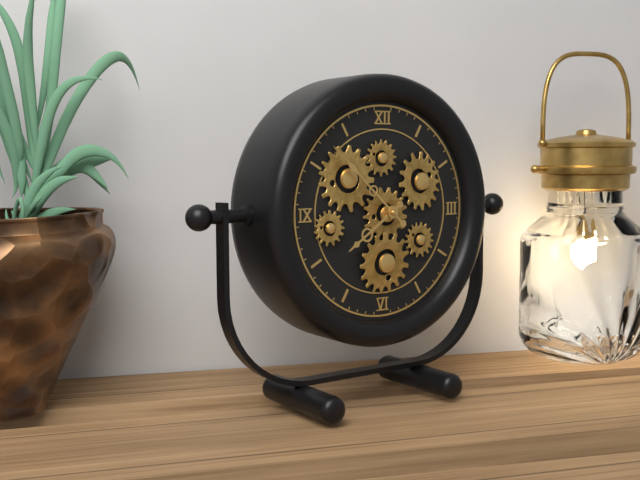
7,52
